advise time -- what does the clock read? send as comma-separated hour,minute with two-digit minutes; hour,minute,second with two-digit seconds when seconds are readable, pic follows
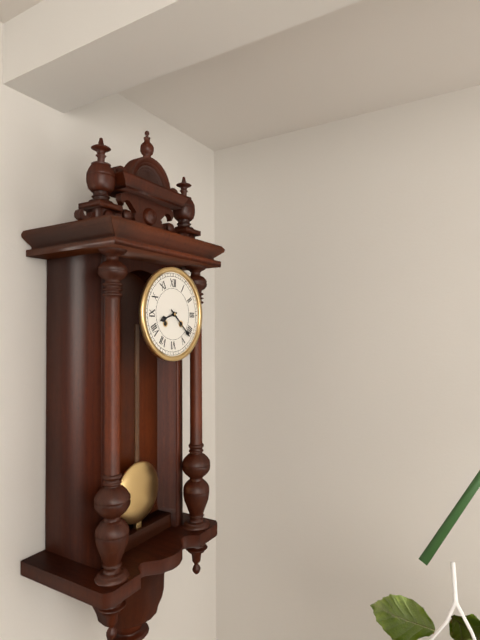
8,22
